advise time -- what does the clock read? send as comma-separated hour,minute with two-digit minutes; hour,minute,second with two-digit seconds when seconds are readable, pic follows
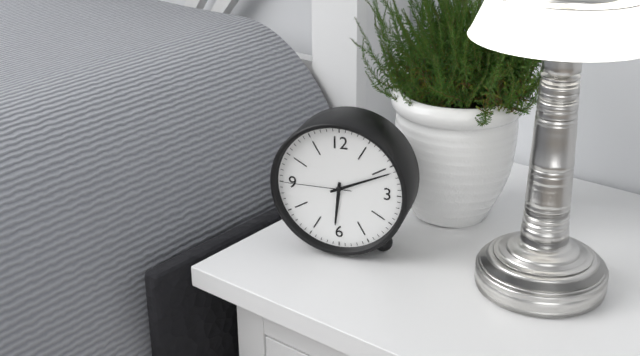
6,11,45
